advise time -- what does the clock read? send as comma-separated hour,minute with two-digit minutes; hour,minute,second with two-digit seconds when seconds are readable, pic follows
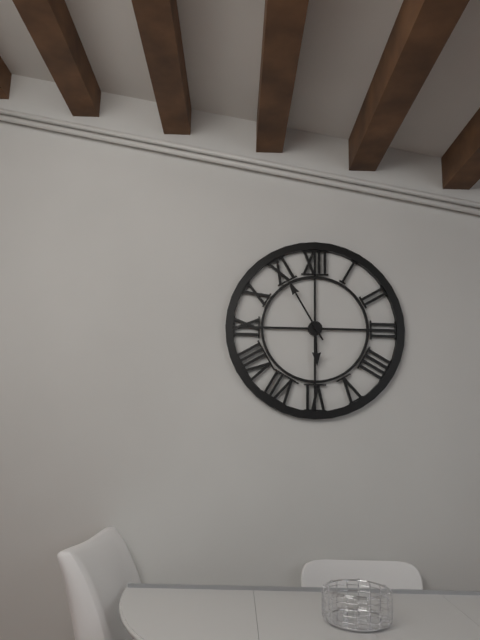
5,55
